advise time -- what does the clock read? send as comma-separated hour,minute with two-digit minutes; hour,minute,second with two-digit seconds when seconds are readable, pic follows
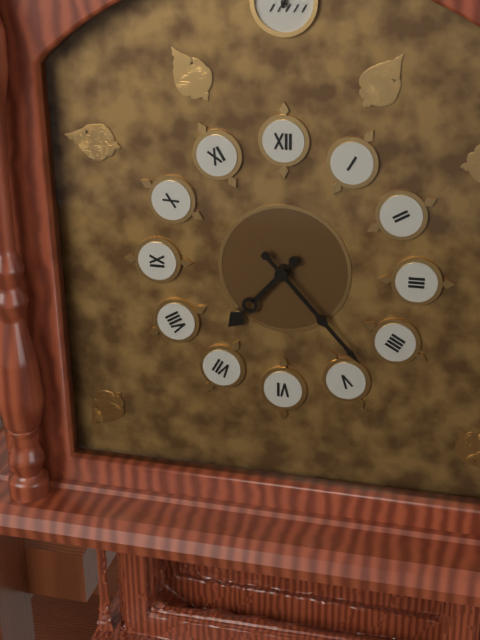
7,23
